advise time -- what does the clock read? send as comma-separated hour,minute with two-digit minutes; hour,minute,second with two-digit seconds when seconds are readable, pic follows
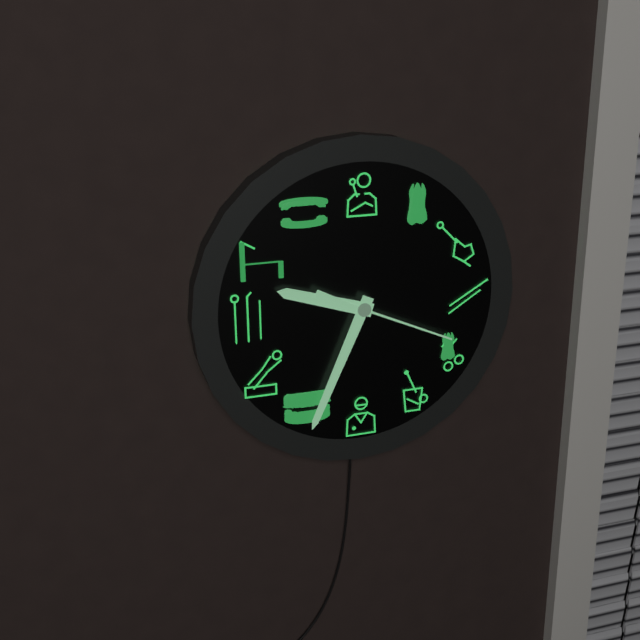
9,34,19
